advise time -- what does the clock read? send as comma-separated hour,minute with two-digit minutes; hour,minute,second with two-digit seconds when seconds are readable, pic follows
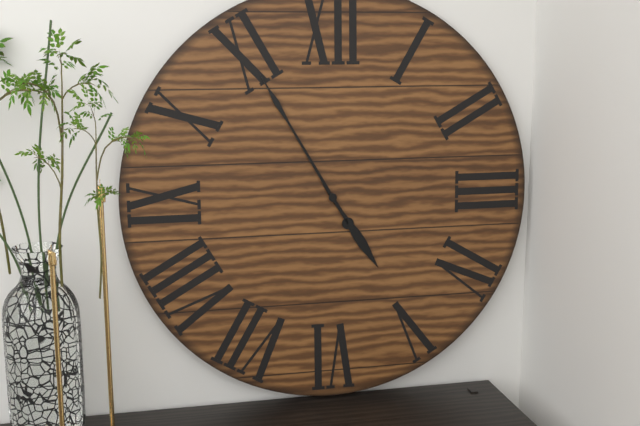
4,55
